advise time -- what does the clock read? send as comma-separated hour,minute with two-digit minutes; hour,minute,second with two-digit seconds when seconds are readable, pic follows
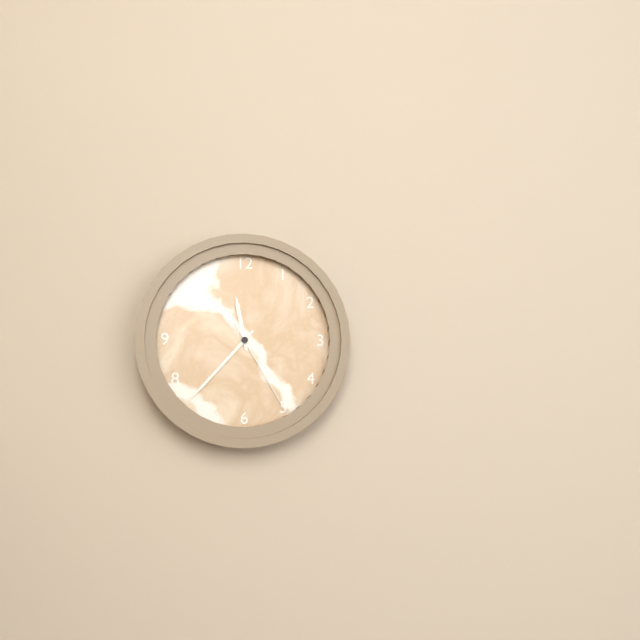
11,37,25
